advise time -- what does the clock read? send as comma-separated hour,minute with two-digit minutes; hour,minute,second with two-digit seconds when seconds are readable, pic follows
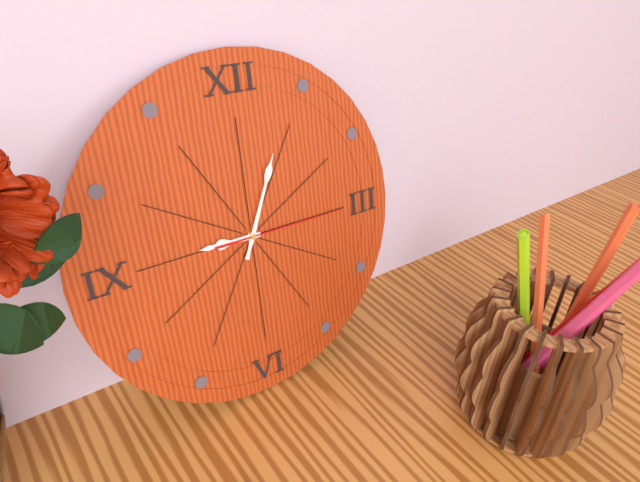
9,04,15
